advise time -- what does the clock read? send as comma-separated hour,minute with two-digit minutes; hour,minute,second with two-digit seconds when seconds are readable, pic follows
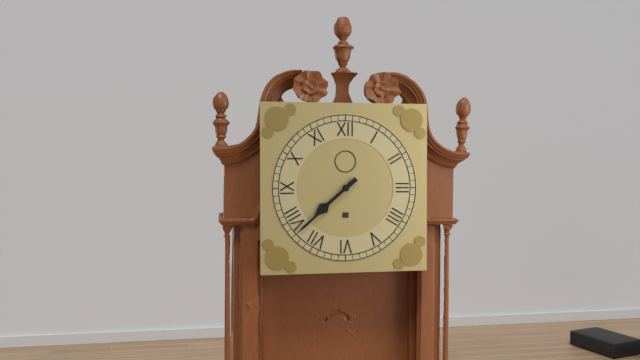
7,38
